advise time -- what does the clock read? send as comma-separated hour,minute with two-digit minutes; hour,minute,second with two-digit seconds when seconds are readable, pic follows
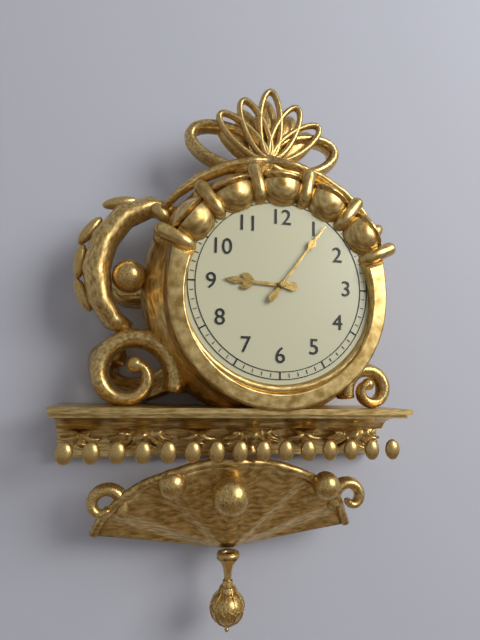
9,06
